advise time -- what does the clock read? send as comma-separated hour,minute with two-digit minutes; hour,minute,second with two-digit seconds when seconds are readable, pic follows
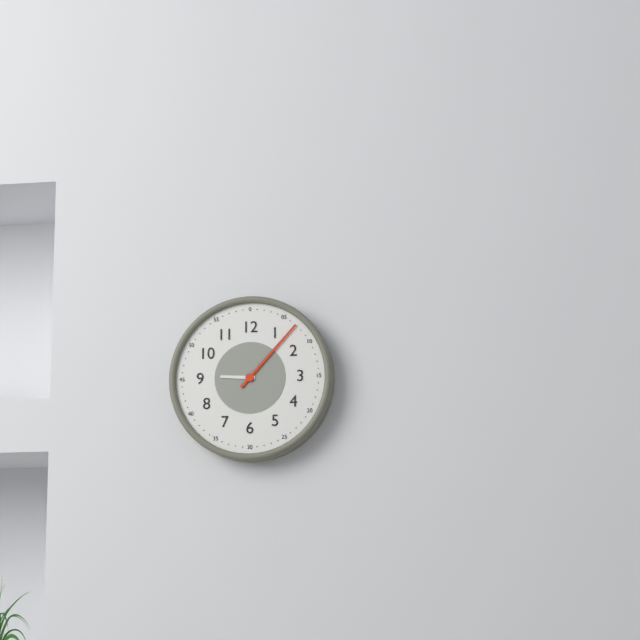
9,07
